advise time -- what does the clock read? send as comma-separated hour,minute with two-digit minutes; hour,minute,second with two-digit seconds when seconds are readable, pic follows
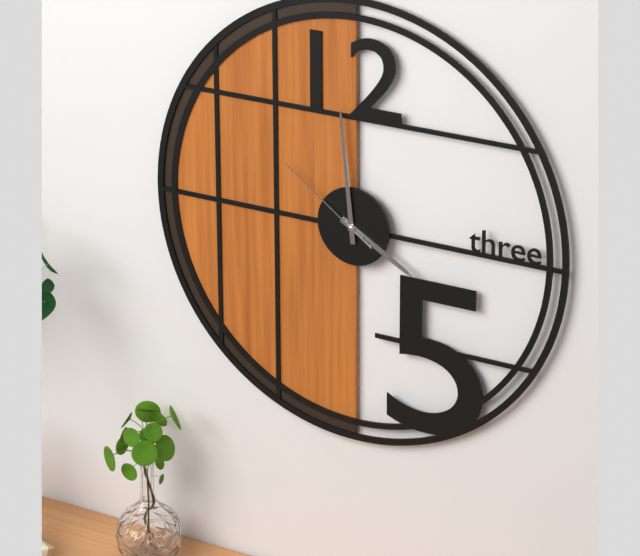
3,59,51
